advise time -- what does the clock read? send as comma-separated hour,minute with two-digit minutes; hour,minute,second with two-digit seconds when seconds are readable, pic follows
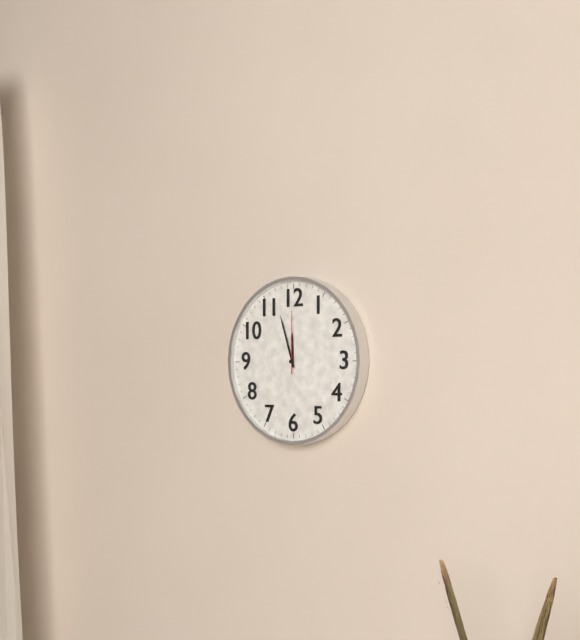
11,57,00
